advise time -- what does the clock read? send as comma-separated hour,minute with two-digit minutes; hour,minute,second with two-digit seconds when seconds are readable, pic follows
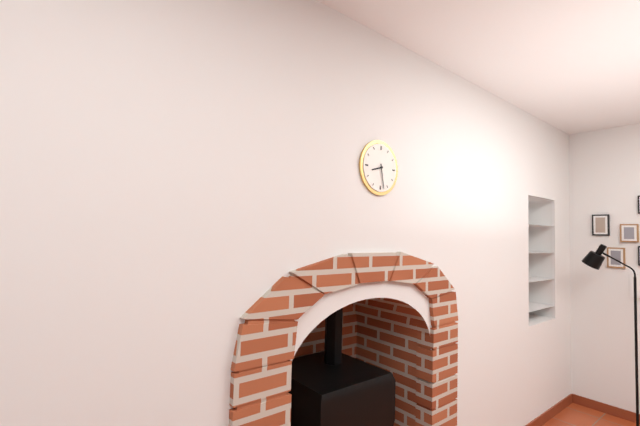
8,28
